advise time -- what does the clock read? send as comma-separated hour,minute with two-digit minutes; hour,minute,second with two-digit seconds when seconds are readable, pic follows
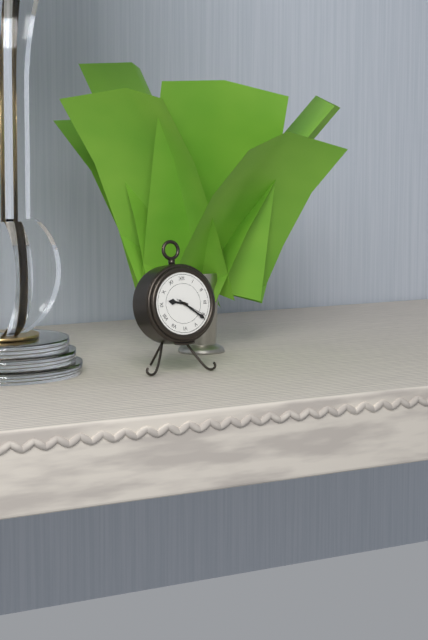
9,21
